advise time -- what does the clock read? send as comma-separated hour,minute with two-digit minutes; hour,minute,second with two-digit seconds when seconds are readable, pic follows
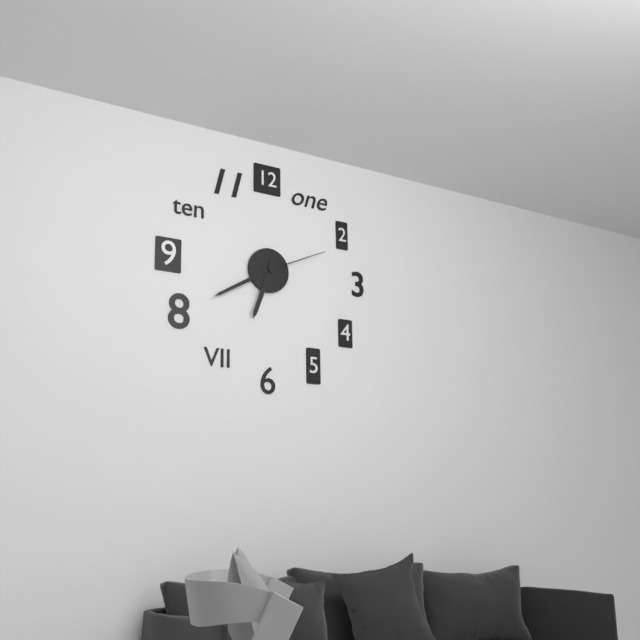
6,40,11
